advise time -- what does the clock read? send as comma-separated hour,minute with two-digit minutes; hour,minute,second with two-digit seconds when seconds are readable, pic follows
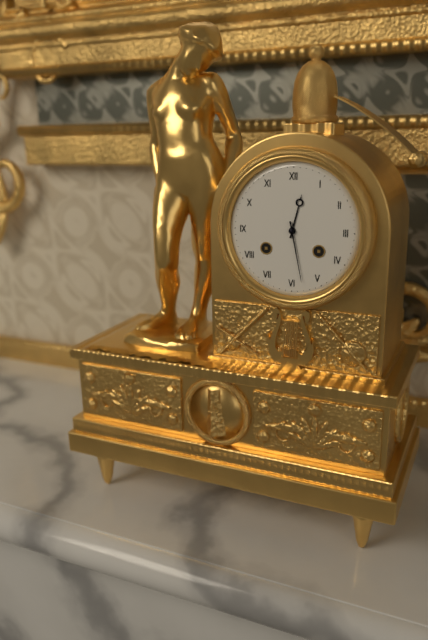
12,28
